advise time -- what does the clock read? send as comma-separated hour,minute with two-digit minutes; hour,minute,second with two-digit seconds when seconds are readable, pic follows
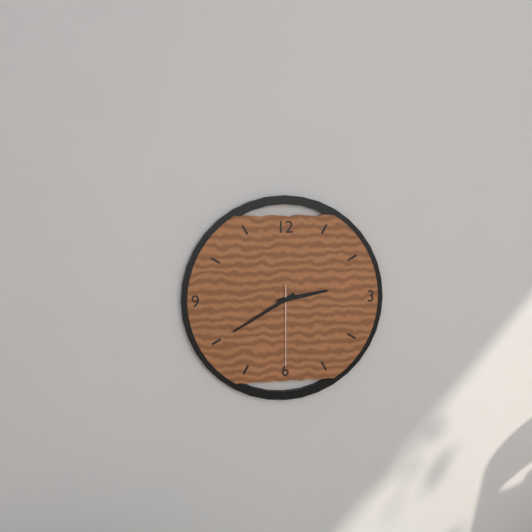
2,40,30
